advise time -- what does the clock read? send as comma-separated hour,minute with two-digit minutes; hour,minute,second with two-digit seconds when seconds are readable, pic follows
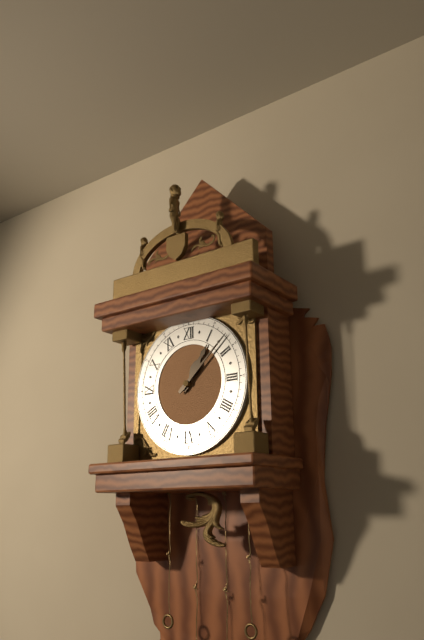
1,08
